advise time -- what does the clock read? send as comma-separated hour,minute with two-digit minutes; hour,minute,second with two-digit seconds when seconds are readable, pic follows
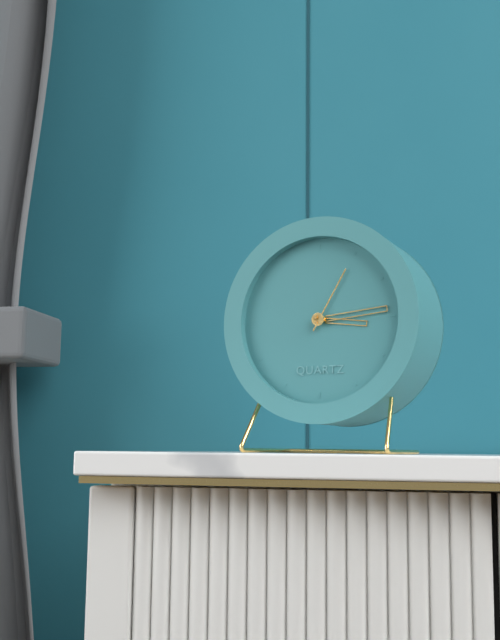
3,14,05
